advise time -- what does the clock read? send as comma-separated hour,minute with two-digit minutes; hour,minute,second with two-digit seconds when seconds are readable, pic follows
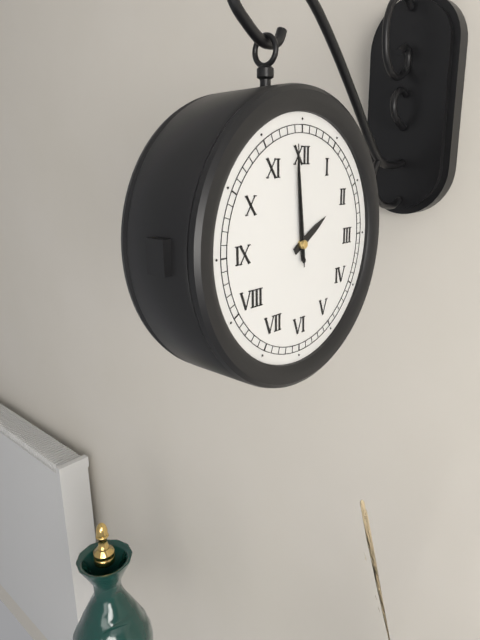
1,59,59
